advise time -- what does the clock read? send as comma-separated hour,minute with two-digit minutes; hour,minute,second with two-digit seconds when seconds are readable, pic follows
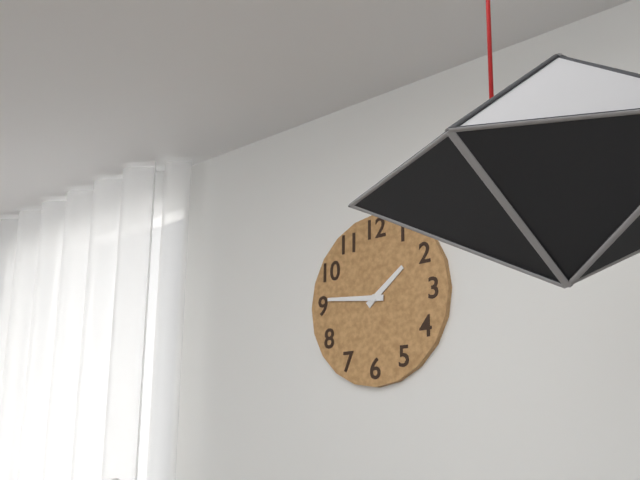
1,46
